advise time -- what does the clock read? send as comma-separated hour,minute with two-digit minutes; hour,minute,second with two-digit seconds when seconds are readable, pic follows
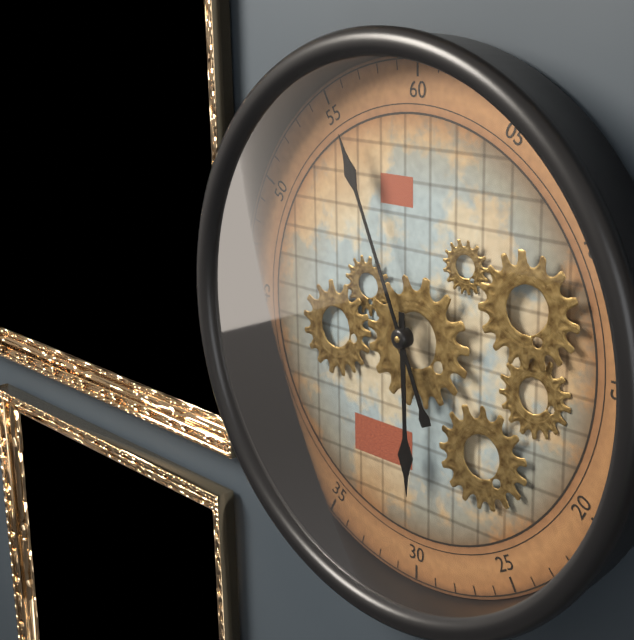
5,56
